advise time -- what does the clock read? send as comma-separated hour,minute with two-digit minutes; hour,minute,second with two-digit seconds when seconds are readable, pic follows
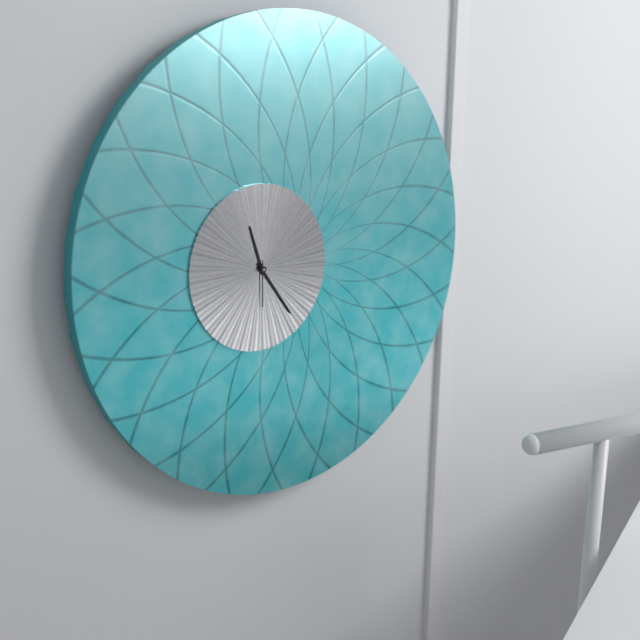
11,24
